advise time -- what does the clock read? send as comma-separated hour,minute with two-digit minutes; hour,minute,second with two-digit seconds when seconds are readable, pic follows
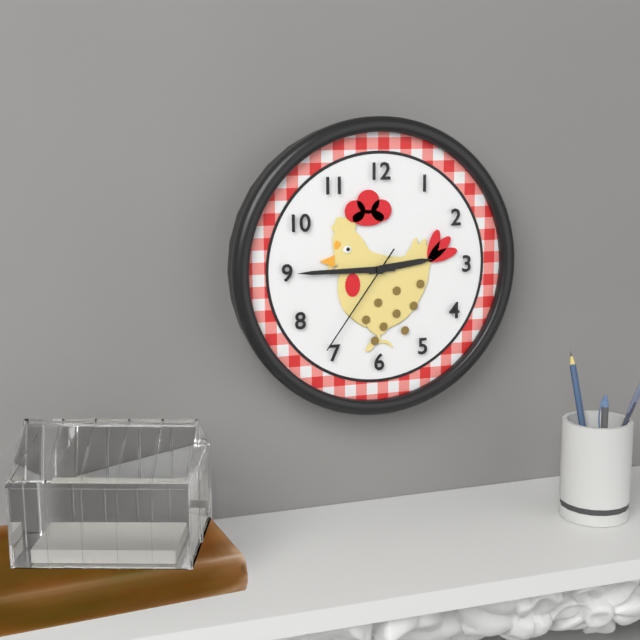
2,45,36
